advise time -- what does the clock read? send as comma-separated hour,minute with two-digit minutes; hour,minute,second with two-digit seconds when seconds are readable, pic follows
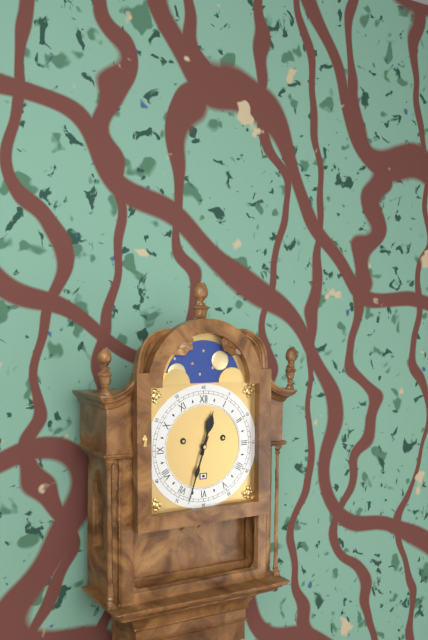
12,33
